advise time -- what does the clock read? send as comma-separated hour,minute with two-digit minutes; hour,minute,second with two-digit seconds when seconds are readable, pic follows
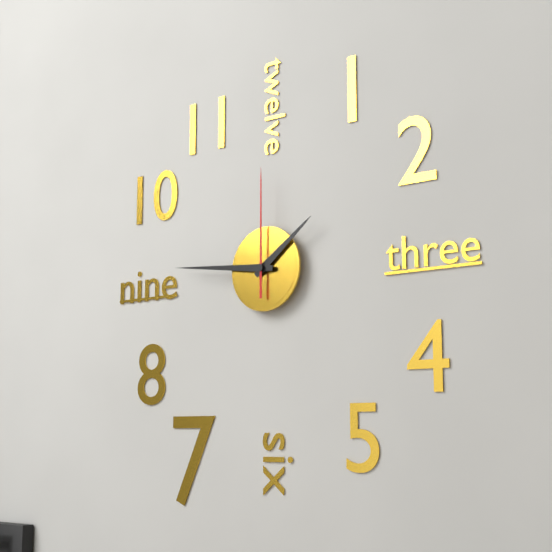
1,46,00
